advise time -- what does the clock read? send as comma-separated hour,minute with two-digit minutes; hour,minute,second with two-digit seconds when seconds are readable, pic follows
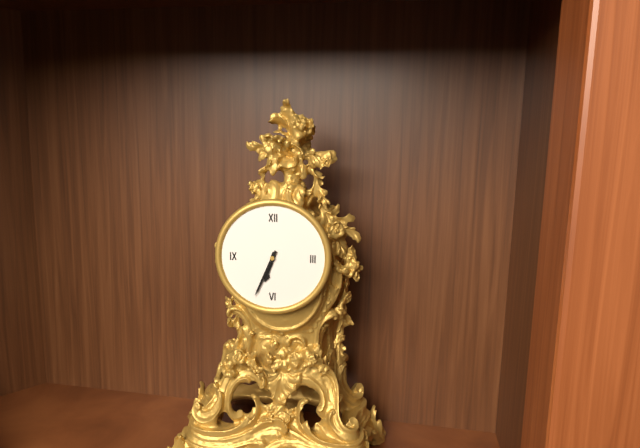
6,34
